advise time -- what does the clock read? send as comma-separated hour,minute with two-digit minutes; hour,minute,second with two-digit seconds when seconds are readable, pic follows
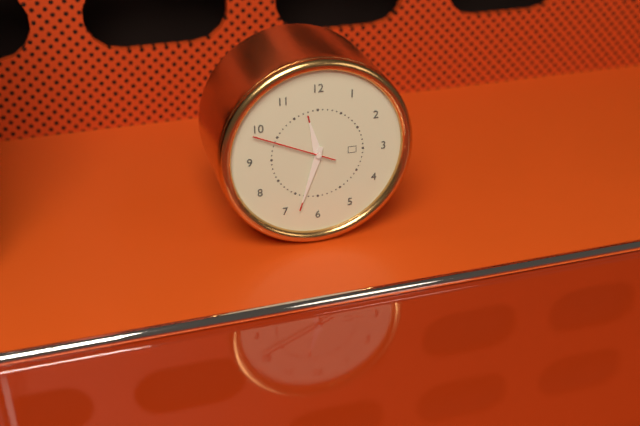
11,33,49
